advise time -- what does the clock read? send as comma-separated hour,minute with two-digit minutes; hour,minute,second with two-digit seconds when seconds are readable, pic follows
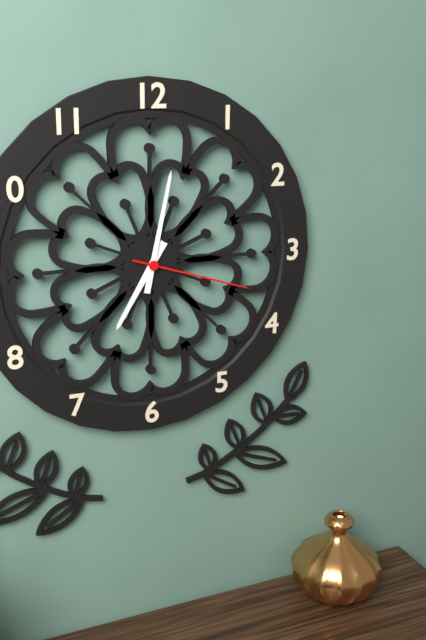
7,02,18
